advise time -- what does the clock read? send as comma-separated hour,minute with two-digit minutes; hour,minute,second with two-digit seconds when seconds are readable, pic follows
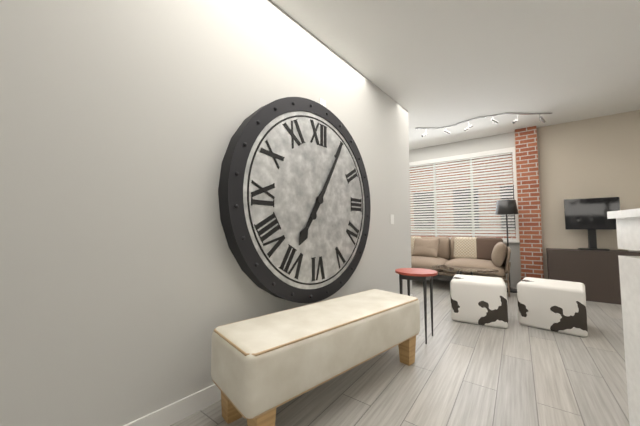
7,05
